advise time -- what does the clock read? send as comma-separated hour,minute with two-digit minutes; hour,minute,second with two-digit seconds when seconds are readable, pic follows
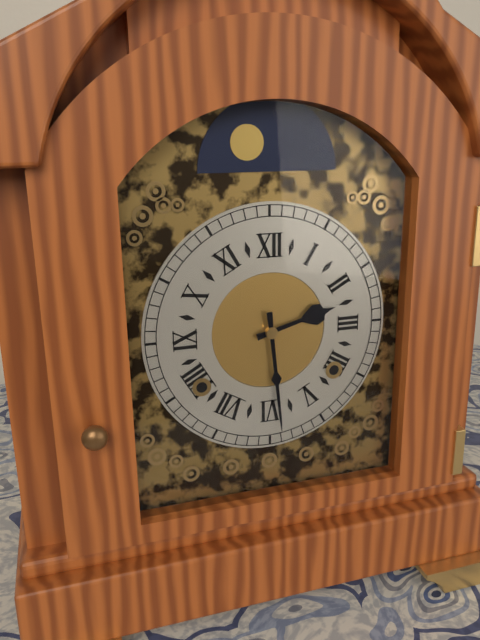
2,29
